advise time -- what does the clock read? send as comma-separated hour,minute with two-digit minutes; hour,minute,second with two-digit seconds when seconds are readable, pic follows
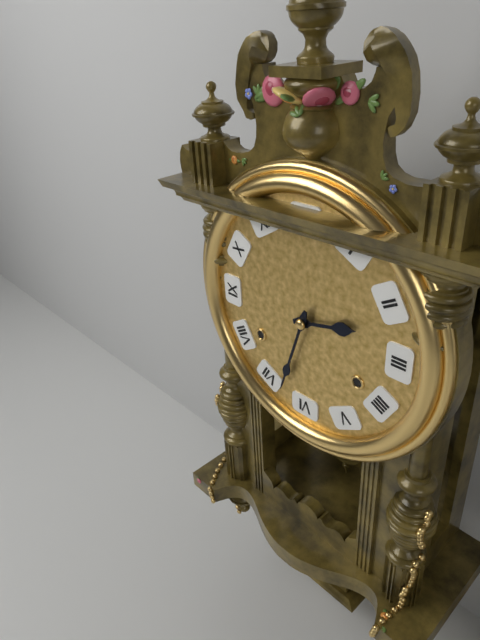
2,33
